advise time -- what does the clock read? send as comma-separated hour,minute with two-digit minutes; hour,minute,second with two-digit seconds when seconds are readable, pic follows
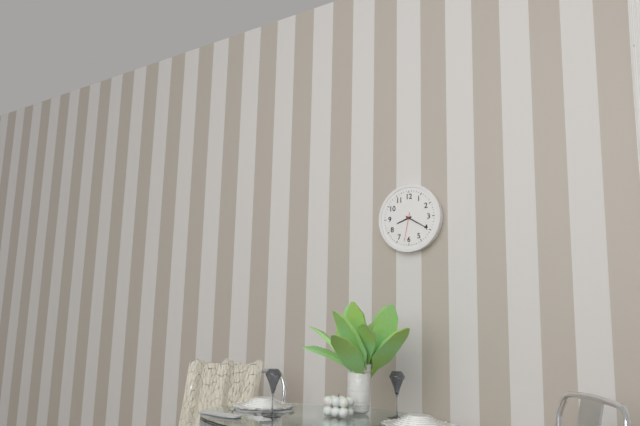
8,20
